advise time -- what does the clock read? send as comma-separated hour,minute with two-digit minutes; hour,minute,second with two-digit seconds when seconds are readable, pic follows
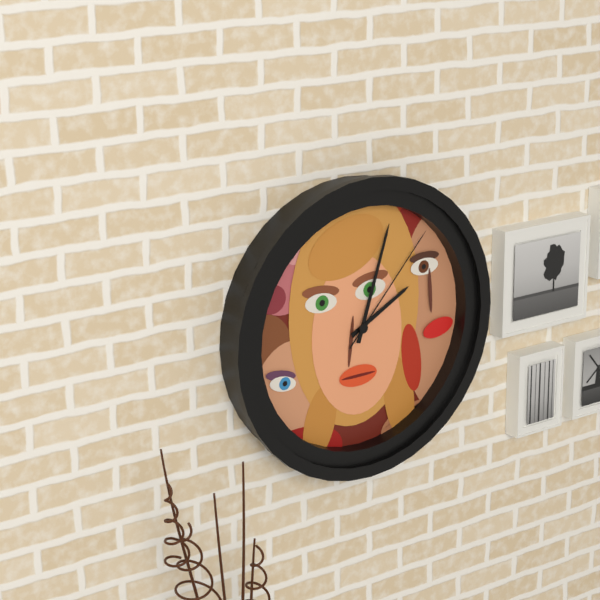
2,03,07
